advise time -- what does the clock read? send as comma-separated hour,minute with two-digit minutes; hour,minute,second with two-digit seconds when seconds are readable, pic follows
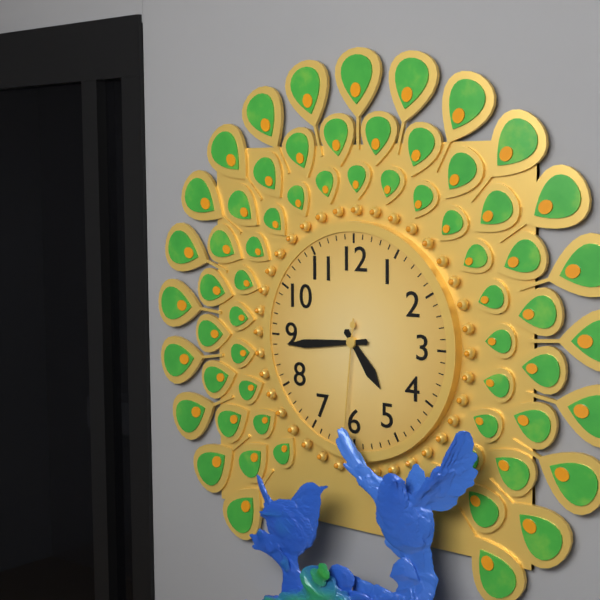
4,44,31
